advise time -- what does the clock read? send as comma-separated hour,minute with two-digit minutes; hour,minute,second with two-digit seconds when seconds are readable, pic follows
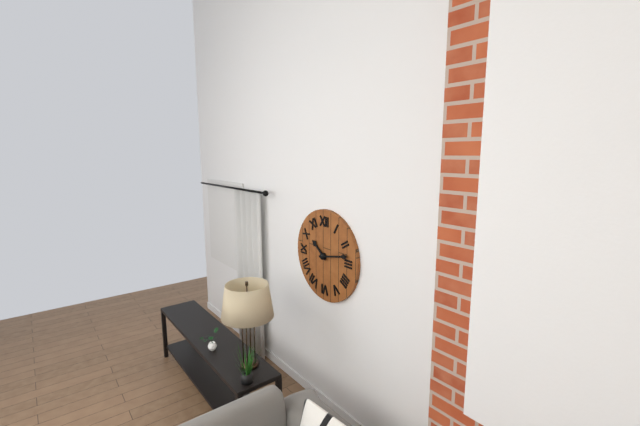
10,13
